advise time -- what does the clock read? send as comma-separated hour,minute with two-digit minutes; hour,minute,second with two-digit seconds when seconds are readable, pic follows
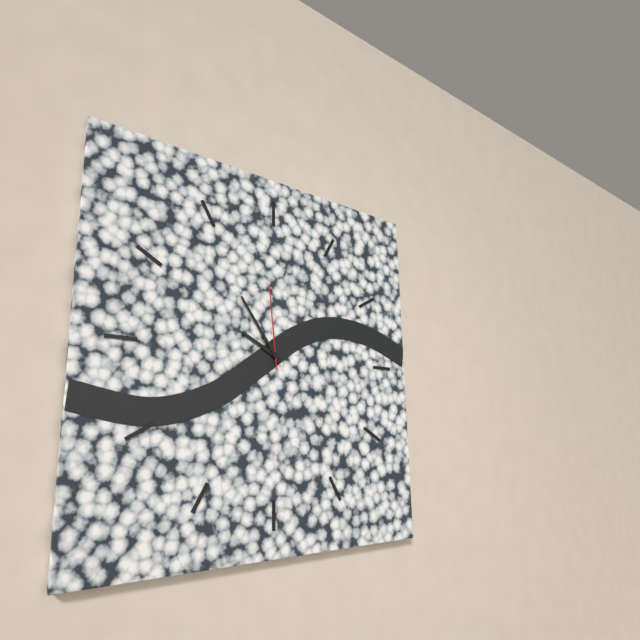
9,54,59
